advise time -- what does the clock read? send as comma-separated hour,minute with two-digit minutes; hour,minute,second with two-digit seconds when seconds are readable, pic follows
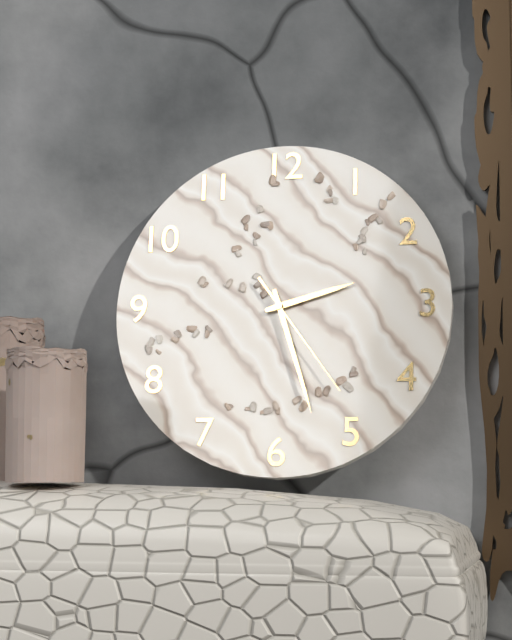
2,27,24
